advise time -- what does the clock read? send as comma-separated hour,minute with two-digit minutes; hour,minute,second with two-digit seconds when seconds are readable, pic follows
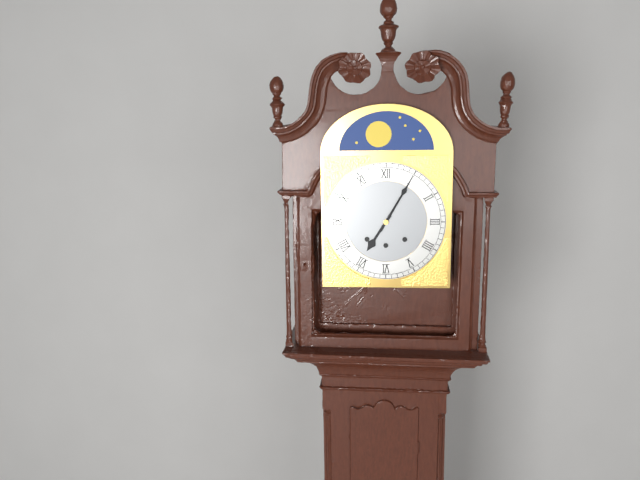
7,05
